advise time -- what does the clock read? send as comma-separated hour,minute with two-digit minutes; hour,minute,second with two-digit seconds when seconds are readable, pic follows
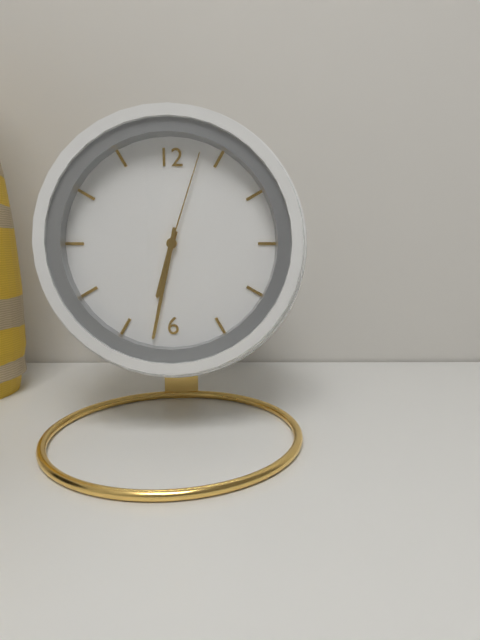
6,32,03
